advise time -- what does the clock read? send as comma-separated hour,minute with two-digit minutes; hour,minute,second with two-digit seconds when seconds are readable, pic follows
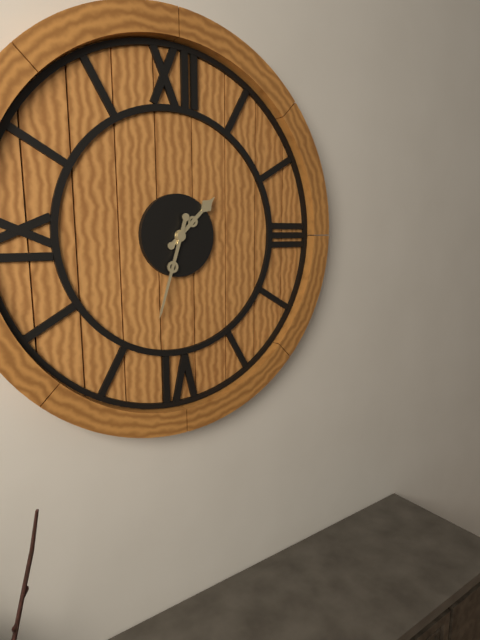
1,33
